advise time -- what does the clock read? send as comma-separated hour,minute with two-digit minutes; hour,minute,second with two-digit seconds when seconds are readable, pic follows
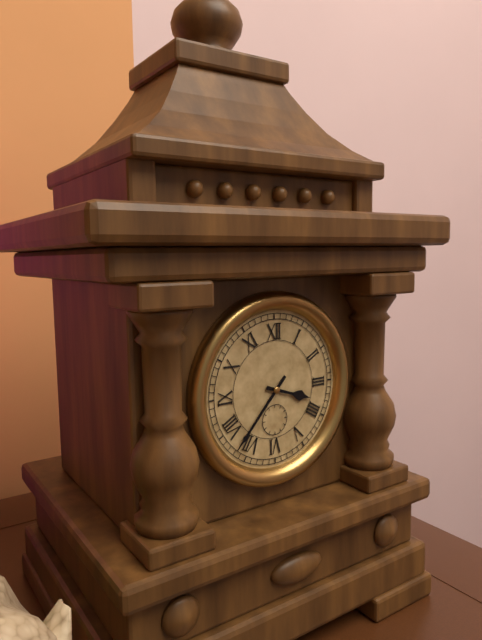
3,37
